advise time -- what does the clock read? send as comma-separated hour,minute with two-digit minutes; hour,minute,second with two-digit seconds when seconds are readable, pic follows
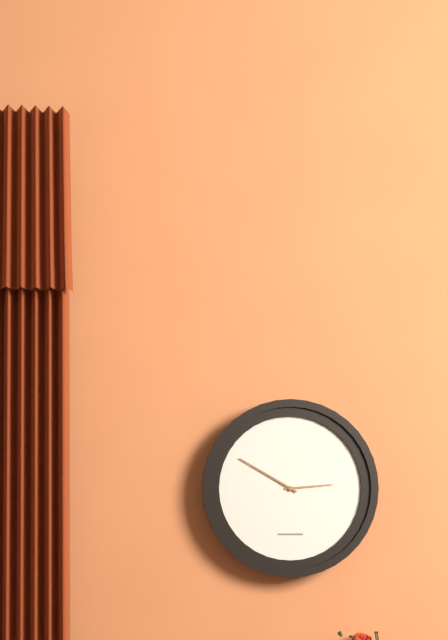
2,50
